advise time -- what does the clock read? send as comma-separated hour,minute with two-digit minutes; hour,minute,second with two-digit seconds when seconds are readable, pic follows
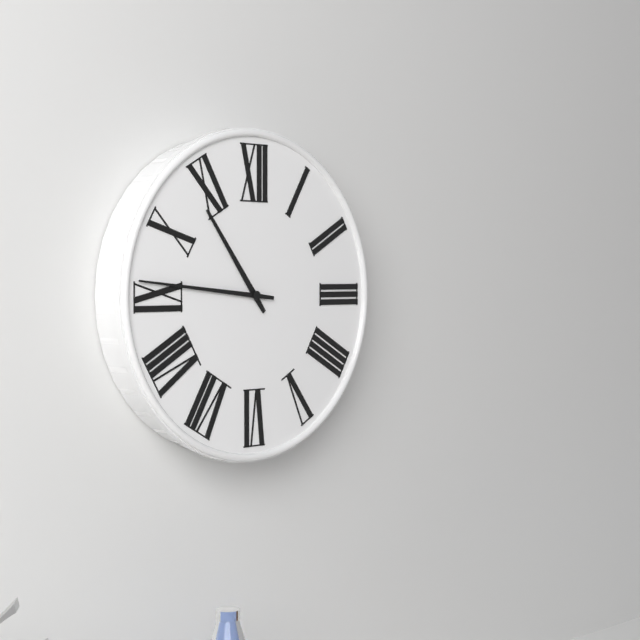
10,46
